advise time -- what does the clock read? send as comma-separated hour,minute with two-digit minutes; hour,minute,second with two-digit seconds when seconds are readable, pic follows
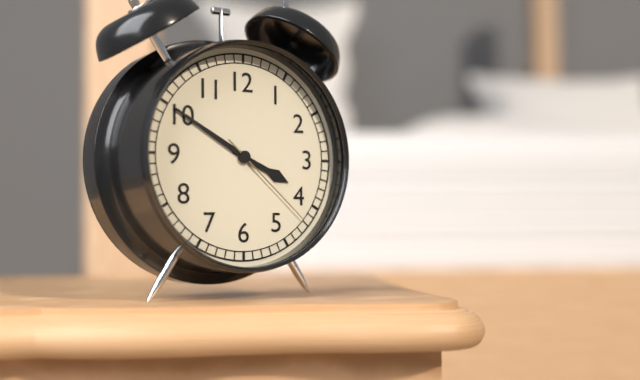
3,50,22
